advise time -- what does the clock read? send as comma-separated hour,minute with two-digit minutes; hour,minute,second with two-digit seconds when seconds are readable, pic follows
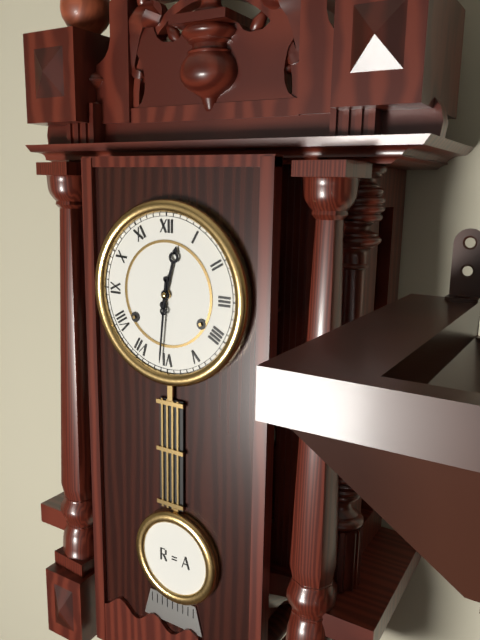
12,31
